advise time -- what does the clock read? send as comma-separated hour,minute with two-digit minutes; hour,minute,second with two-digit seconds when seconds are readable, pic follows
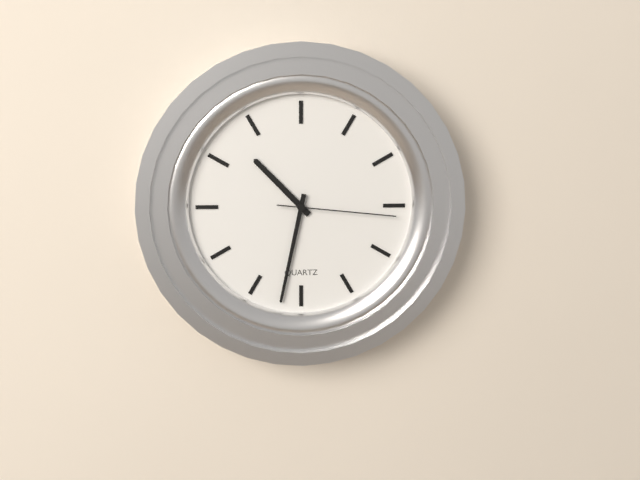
10,32,16
